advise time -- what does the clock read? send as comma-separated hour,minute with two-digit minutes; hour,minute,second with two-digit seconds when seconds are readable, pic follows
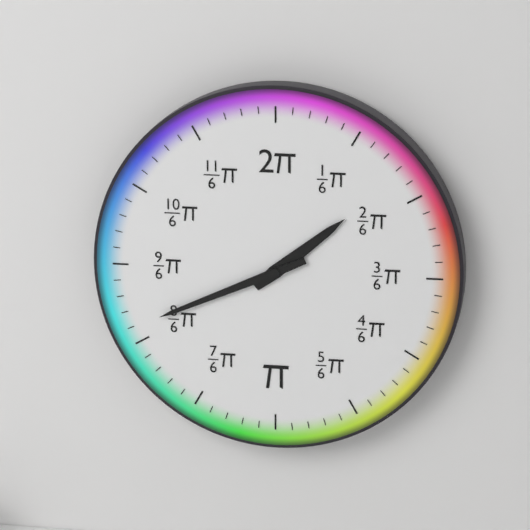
1,41
